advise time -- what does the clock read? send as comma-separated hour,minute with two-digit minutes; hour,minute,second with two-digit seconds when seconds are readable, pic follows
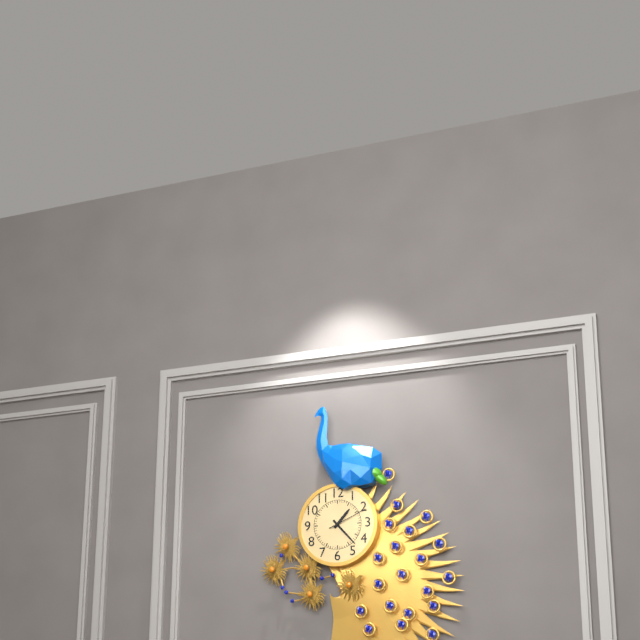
1,23
